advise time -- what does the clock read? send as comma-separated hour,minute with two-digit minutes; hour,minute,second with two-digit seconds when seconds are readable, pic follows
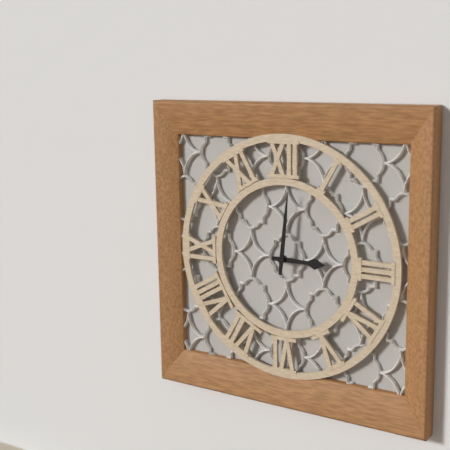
3,01
